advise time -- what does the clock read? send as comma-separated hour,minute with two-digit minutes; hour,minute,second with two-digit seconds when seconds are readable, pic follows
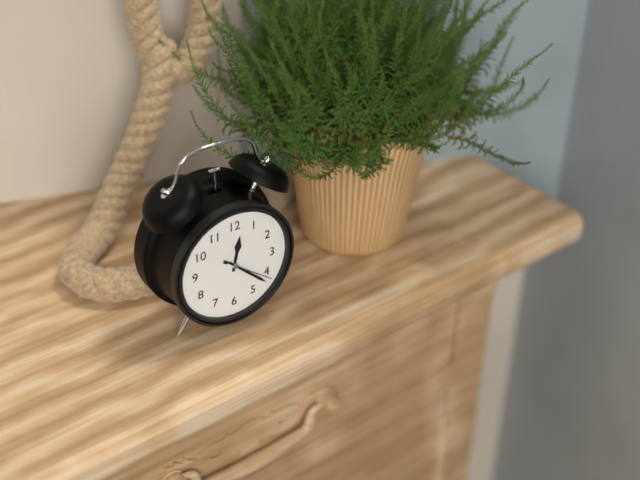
12,22
